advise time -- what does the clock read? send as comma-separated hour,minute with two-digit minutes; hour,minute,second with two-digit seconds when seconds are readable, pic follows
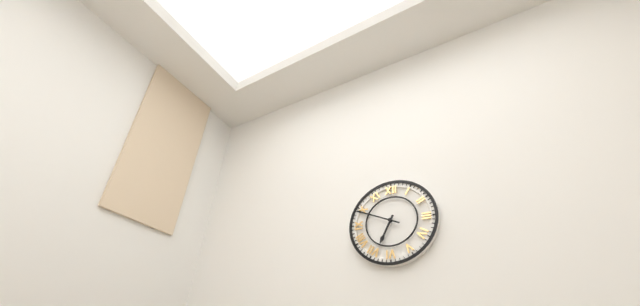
6,49
